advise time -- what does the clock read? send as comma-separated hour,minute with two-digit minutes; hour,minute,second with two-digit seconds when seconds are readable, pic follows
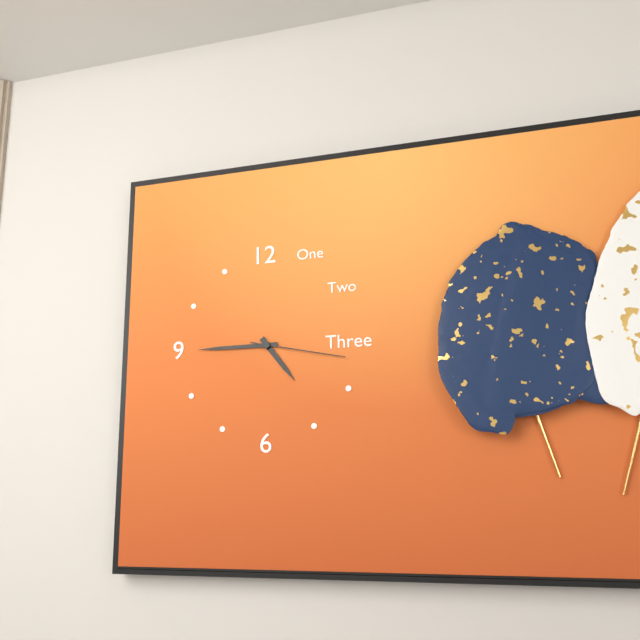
4,45,17
